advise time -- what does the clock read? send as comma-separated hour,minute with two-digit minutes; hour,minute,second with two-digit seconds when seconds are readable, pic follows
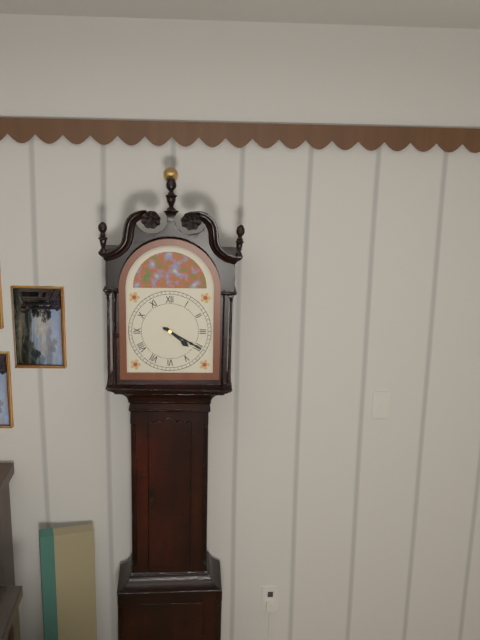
4,20
